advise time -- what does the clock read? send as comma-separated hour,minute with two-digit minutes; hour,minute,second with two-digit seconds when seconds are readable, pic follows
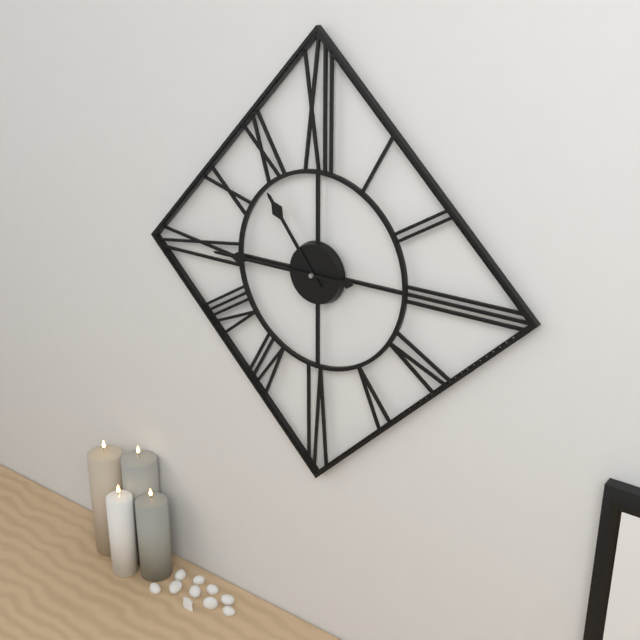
10,45
